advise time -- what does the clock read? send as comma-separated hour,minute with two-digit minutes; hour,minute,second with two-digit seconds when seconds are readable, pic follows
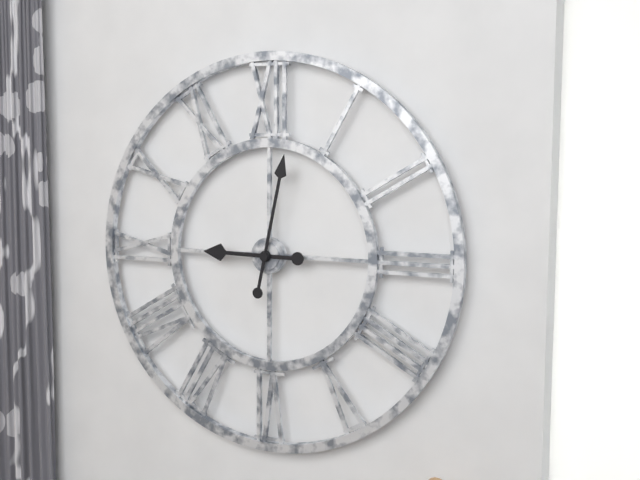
9,02
